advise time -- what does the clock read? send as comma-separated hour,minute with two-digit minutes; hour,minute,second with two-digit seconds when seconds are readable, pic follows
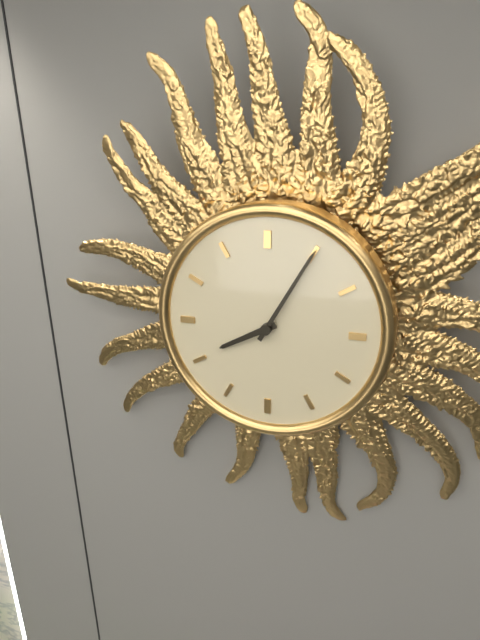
8,05
